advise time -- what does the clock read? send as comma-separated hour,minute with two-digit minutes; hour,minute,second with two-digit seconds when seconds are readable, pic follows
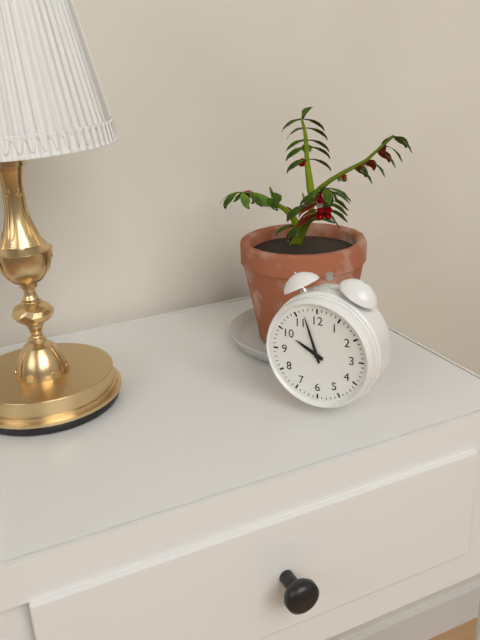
9,57
